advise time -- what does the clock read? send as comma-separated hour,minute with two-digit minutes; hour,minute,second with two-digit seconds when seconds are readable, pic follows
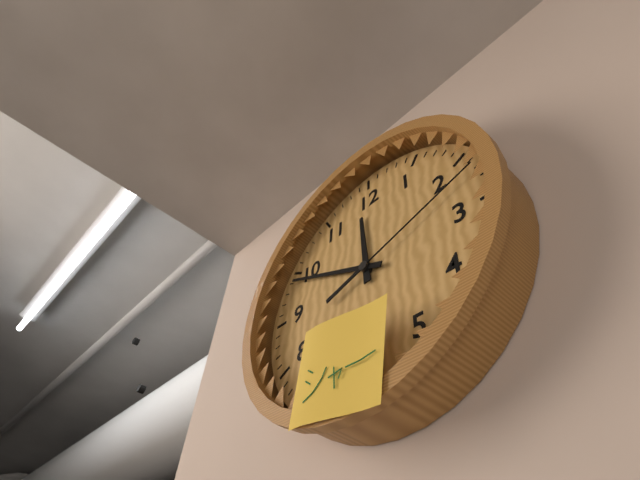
11,49,12
